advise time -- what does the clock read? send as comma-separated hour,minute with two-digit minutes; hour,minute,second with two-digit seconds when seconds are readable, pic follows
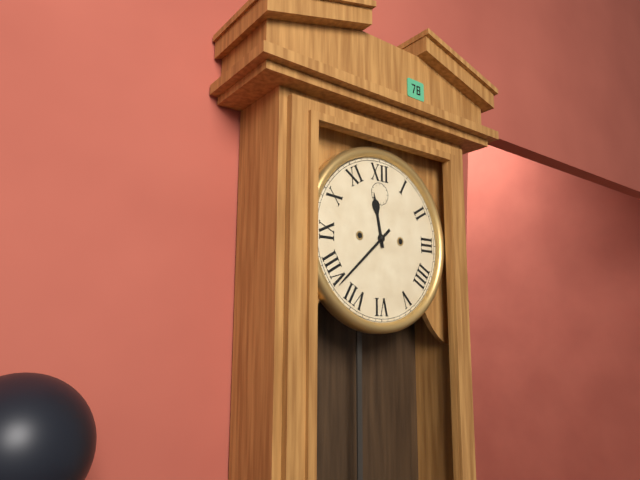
11,38
